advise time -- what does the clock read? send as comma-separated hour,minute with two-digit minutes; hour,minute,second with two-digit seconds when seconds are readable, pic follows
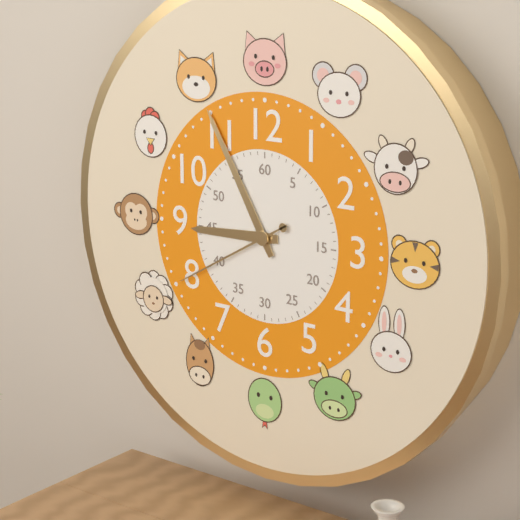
8,55,40
